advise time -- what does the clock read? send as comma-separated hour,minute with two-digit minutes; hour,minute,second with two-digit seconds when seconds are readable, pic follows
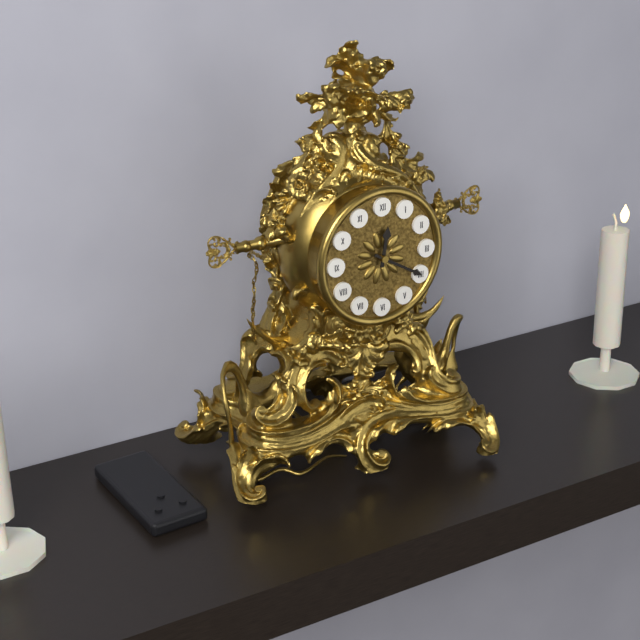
12,20
